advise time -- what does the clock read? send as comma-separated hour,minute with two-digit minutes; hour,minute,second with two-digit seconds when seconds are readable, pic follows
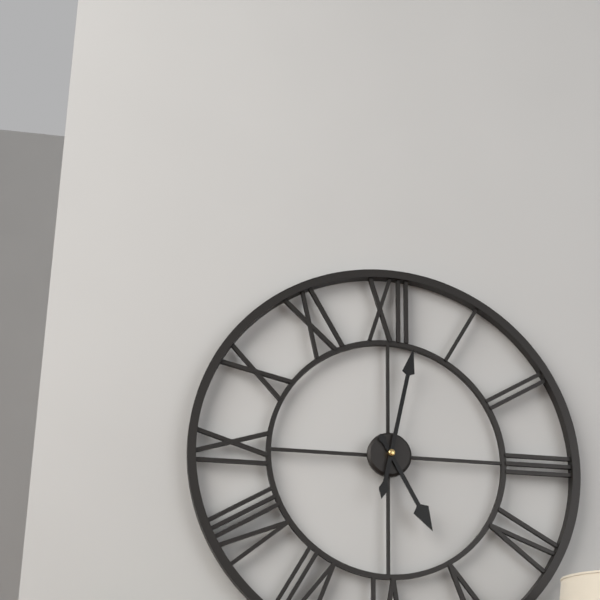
5,02
